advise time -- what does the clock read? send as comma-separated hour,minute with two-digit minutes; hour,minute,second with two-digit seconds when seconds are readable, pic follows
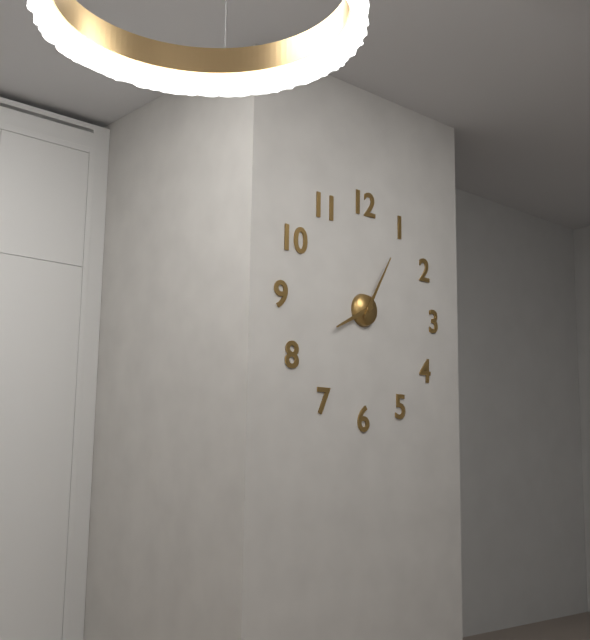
8,05
